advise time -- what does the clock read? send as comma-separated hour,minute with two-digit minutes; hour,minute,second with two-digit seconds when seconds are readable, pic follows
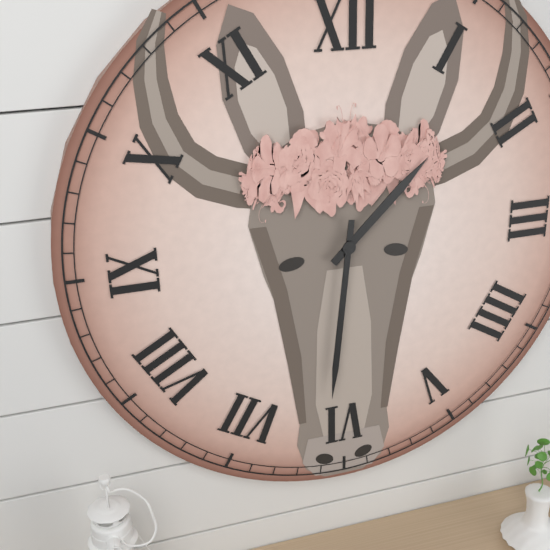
1,31
